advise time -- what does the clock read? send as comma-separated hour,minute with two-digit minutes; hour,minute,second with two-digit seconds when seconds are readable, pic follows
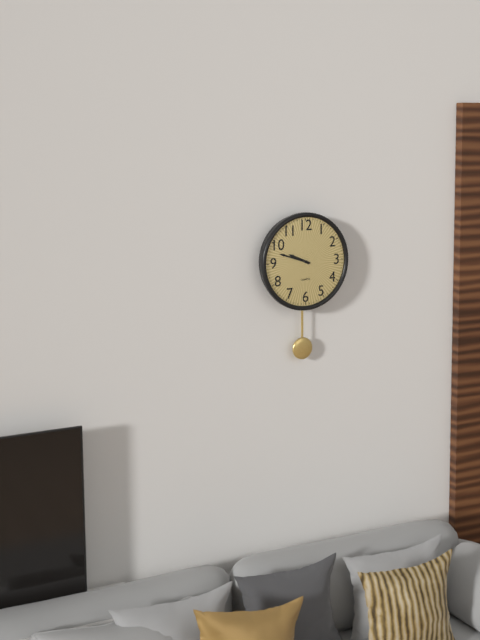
9,48
